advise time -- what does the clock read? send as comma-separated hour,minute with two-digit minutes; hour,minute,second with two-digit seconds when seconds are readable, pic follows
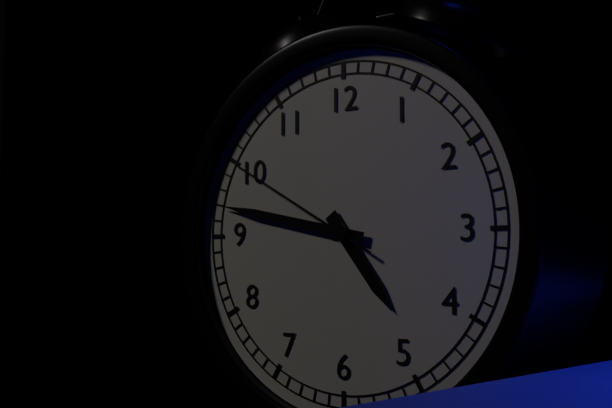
4,47,50
